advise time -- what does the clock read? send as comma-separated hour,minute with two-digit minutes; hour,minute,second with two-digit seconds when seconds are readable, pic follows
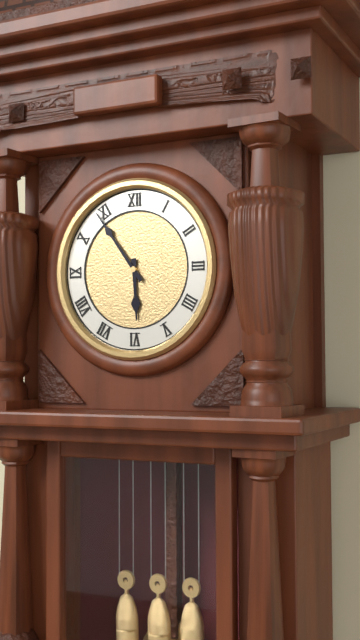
5,54
